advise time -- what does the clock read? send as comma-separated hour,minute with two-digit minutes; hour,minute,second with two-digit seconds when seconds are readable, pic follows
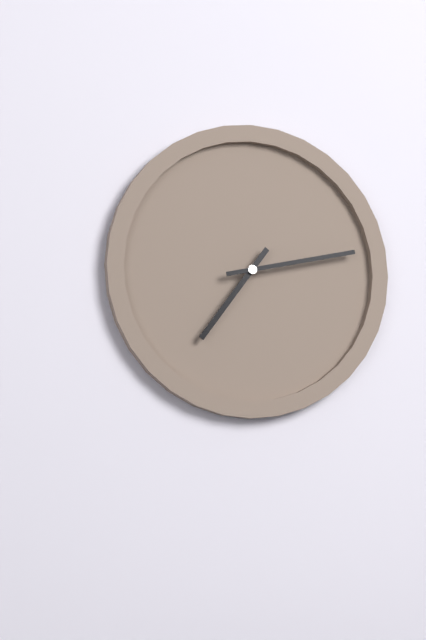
7,13
